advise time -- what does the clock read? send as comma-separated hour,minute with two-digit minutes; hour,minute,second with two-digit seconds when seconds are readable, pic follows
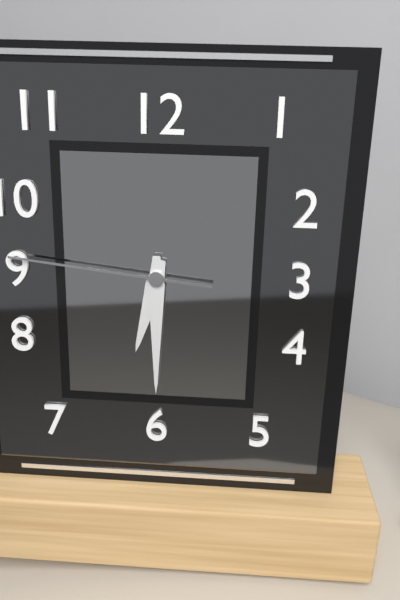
6,30,46
